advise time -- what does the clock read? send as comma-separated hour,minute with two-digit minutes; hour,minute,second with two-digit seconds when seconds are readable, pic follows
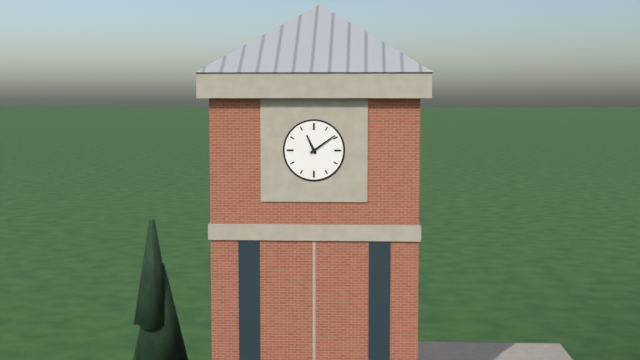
11,09
